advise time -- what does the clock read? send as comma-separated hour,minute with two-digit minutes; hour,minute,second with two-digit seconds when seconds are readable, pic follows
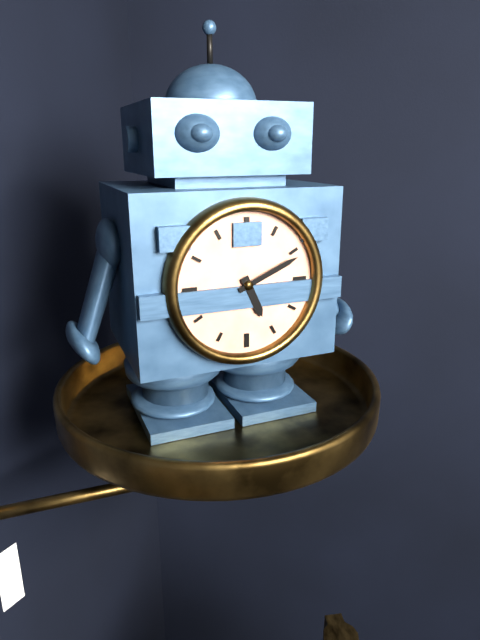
5,11
